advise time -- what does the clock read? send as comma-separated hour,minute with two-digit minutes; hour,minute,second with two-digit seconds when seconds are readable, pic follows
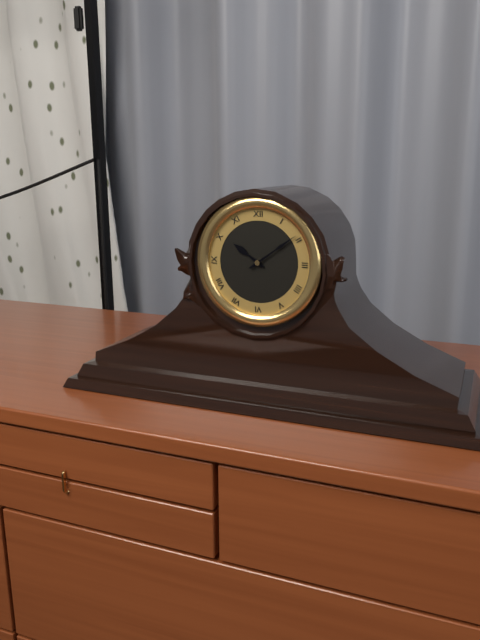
10,09
